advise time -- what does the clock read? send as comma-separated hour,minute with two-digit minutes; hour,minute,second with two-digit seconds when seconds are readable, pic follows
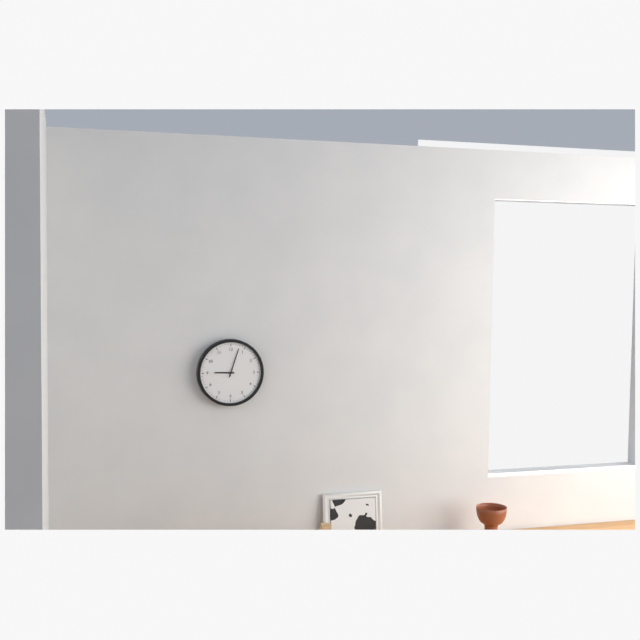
9,03
